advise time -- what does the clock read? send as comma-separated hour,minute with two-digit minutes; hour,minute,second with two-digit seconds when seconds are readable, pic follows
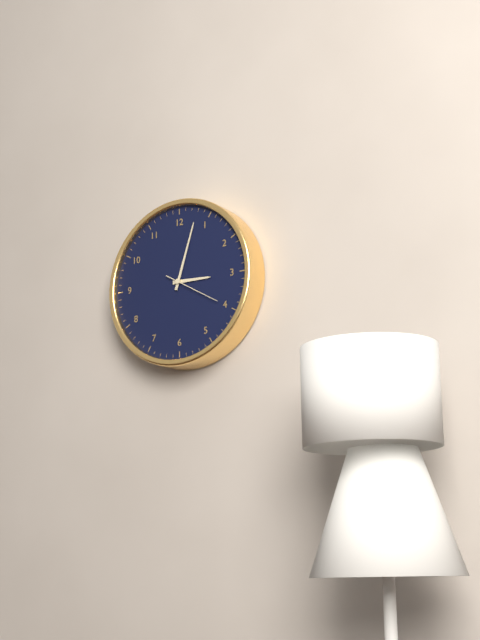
3,03,20
